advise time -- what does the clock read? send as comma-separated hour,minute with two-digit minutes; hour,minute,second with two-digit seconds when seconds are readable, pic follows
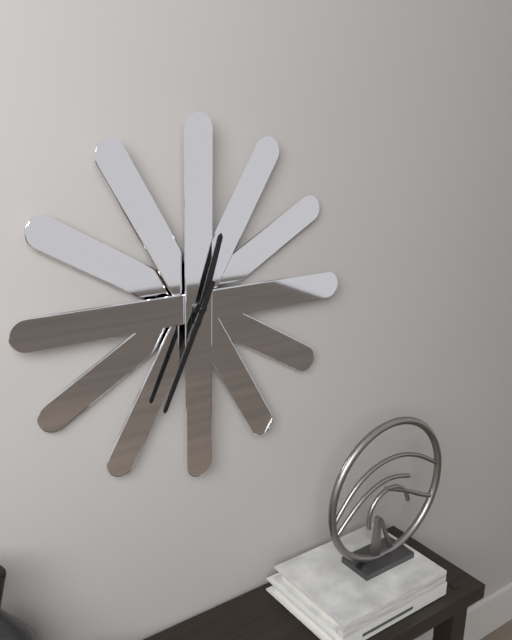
12,34
